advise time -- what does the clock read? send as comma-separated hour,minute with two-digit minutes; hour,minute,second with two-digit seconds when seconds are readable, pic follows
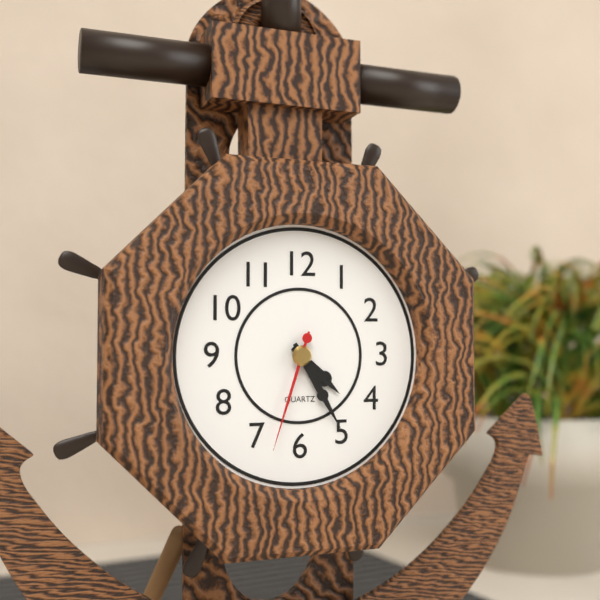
4,25,33
